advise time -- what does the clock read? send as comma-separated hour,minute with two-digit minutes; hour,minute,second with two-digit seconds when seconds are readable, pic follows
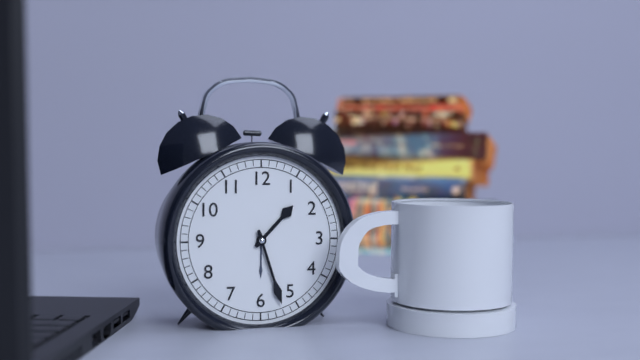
1,27
